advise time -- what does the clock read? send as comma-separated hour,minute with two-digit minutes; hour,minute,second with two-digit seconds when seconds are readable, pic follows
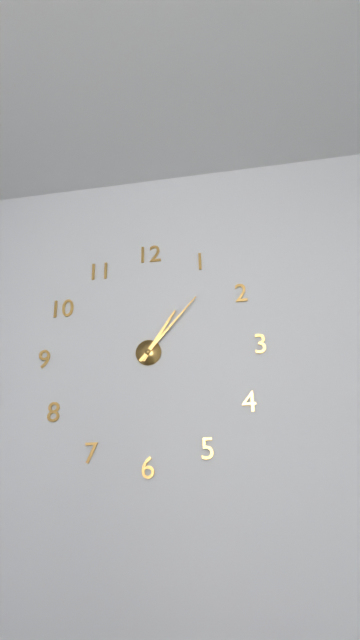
1,07
